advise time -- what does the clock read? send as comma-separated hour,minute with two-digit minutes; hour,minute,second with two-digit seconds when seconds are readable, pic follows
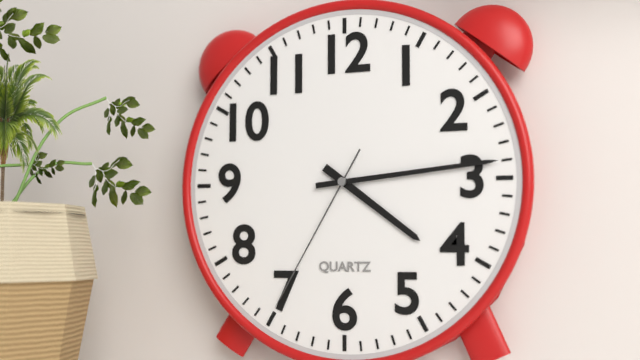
4,14,35
